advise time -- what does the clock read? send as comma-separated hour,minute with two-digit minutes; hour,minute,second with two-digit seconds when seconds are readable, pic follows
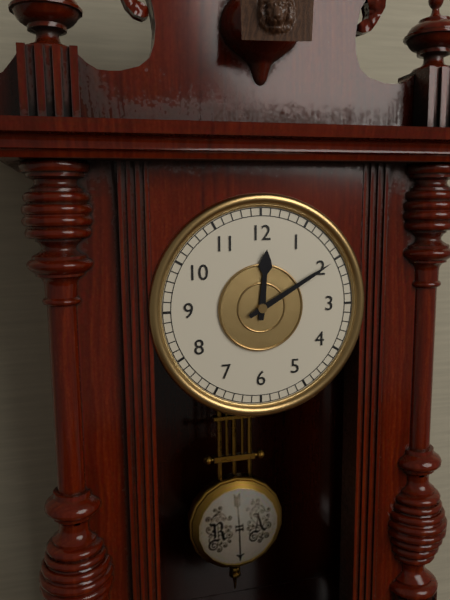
12,10
